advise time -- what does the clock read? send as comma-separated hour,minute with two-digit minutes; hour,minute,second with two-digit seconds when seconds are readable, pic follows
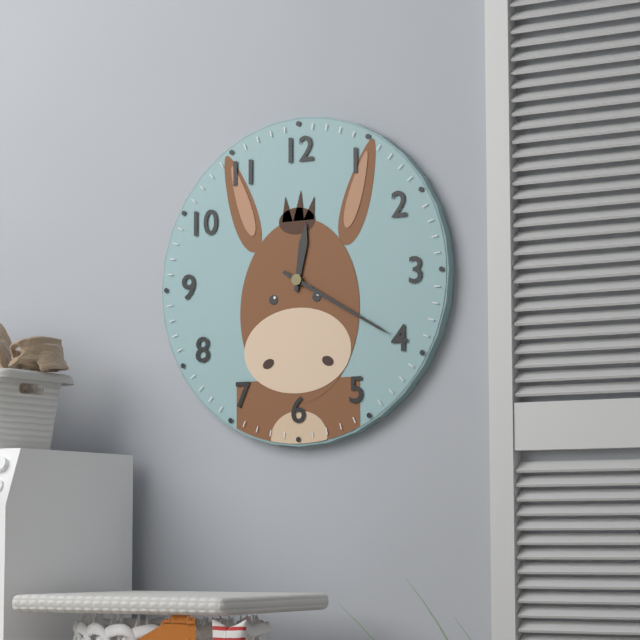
12,20
